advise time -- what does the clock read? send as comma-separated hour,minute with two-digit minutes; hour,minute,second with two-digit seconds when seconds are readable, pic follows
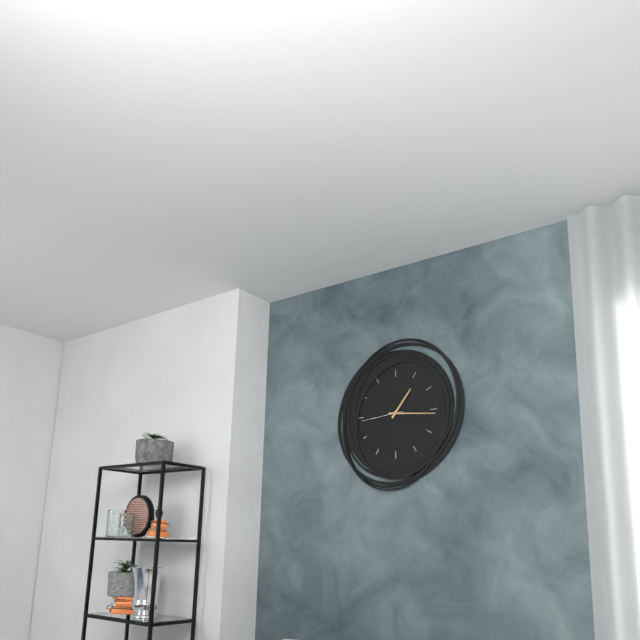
1,16
